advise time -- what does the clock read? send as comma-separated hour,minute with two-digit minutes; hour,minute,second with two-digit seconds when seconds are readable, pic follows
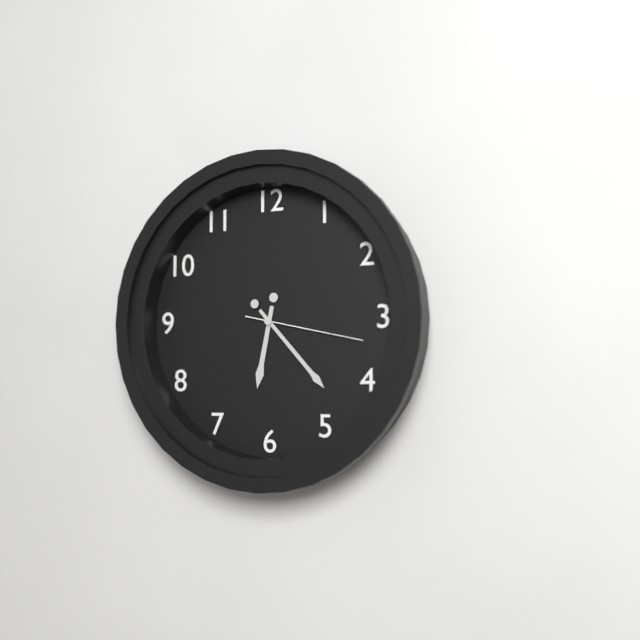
6,23,17
